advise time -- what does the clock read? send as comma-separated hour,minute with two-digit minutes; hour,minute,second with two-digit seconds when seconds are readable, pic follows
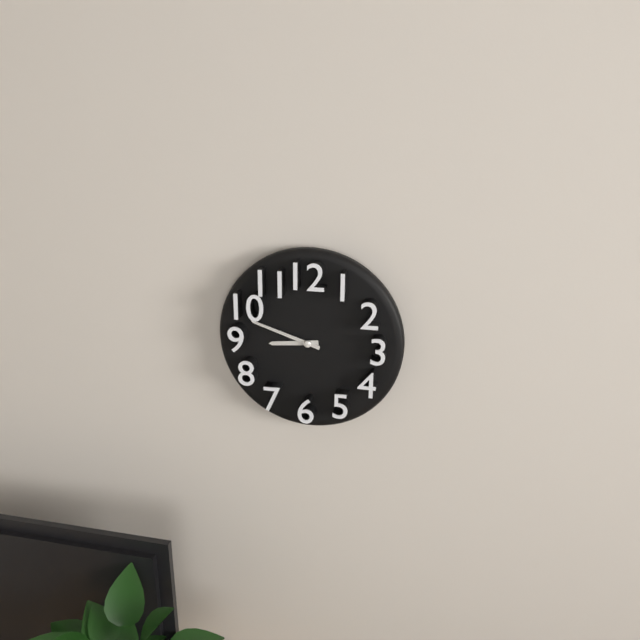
8,48
